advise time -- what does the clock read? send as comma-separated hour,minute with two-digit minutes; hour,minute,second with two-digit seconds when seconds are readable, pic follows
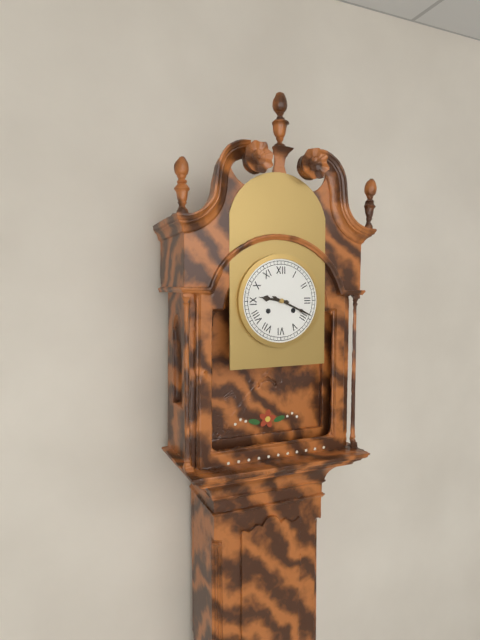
9,19
